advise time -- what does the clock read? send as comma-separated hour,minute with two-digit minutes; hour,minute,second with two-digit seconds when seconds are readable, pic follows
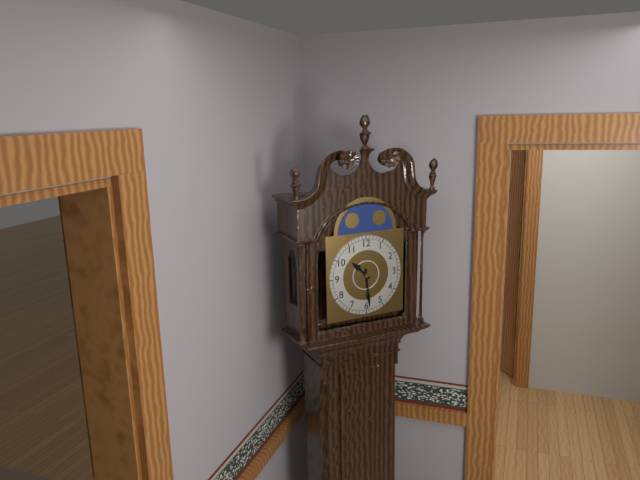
10,29
